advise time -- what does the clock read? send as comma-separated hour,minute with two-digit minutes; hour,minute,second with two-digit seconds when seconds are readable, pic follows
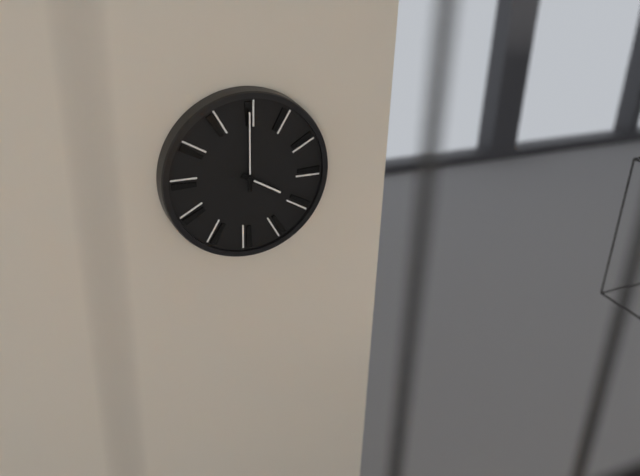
4,00
